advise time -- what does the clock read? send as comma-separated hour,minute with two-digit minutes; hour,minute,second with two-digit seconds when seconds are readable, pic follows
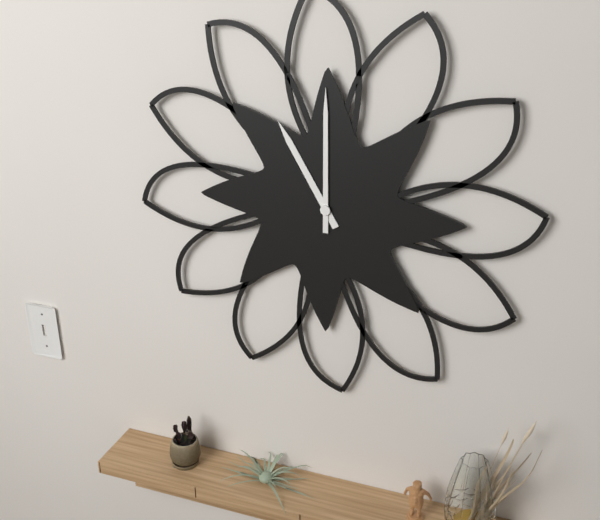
11,00
